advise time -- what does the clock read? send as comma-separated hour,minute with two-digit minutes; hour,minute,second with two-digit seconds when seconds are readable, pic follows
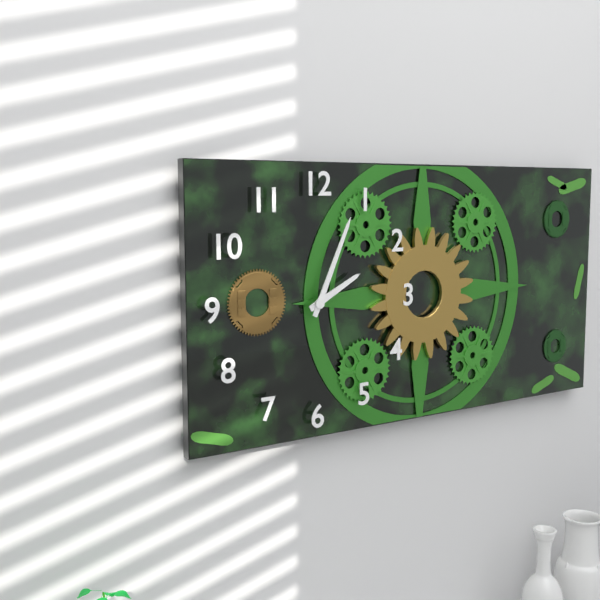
2,04
